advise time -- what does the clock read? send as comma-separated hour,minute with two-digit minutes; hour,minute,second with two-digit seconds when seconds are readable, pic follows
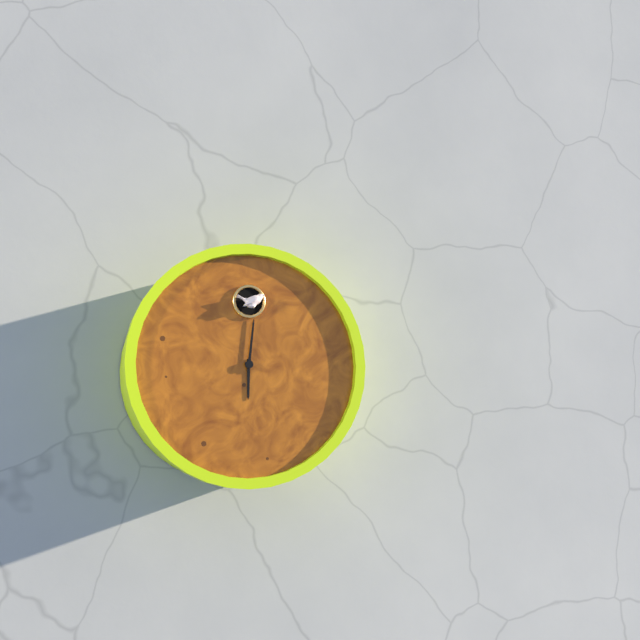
6,01
